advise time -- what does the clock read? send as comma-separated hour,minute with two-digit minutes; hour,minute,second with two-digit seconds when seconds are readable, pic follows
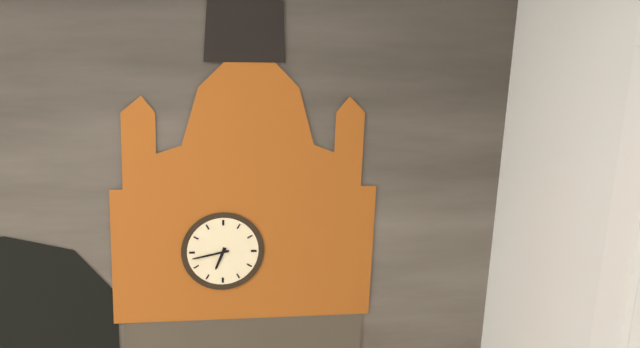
6,43
